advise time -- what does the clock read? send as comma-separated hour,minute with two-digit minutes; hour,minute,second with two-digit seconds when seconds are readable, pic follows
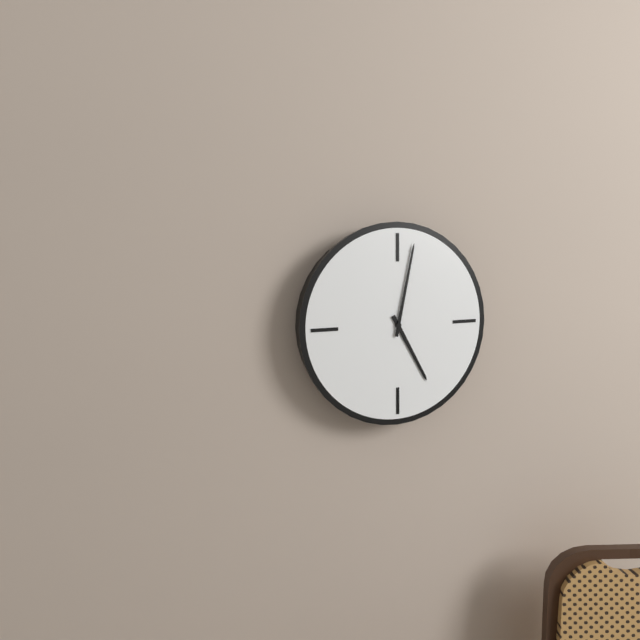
5,02
